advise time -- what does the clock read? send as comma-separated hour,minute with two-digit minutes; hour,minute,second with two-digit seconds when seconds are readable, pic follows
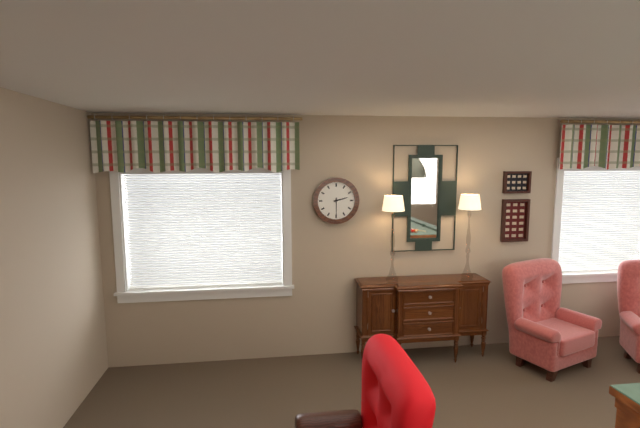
2,30
